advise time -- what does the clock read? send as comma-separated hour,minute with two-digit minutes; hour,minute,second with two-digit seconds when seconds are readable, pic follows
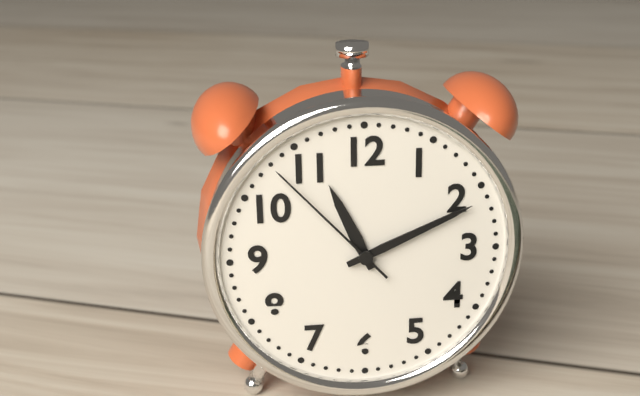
11,11,53
